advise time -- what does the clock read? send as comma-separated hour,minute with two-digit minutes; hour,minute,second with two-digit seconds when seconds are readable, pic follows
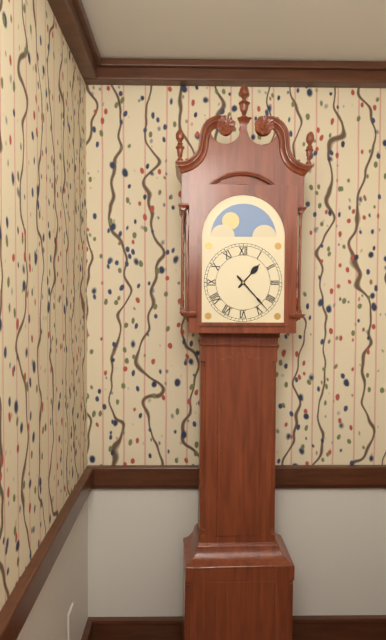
1,23
